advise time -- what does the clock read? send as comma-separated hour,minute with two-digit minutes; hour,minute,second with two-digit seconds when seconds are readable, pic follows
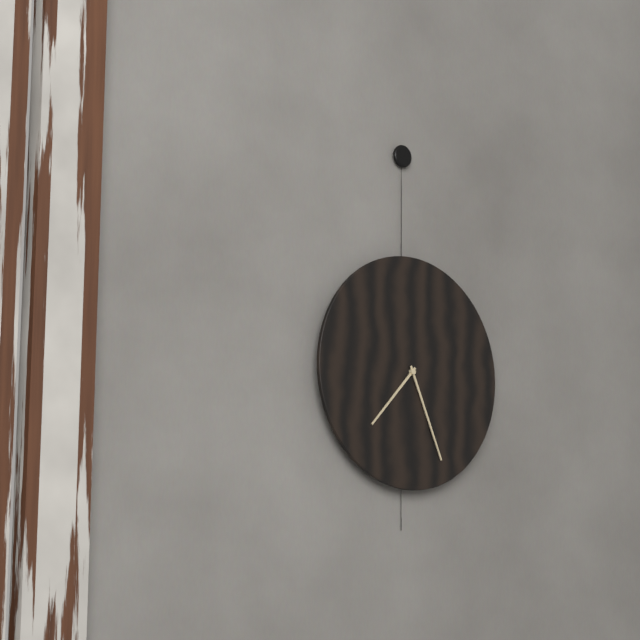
7,26
